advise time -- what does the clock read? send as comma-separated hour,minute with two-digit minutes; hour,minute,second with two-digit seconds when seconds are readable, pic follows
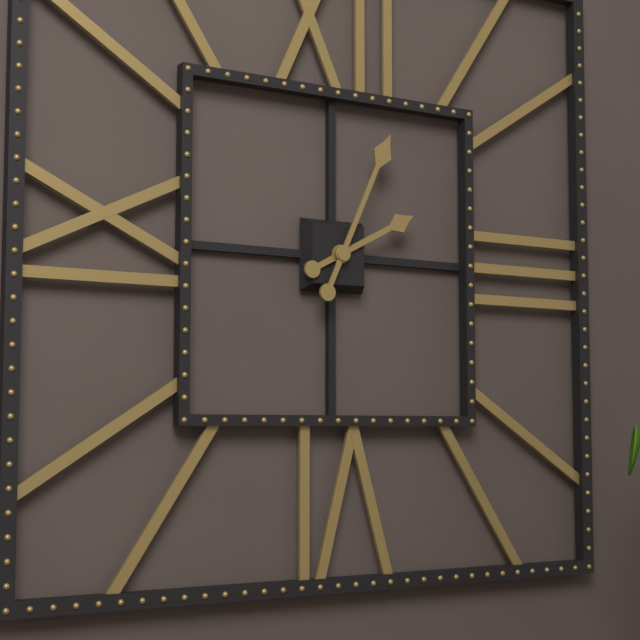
2,04
